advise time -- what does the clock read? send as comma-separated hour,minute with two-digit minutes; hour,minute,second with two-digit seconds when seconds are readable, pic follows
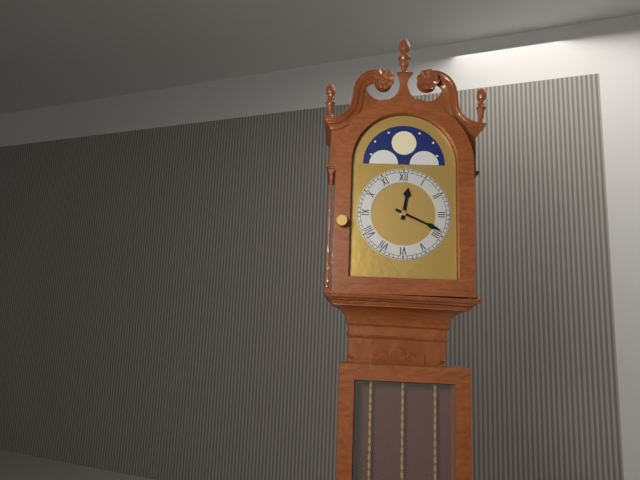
12,19
